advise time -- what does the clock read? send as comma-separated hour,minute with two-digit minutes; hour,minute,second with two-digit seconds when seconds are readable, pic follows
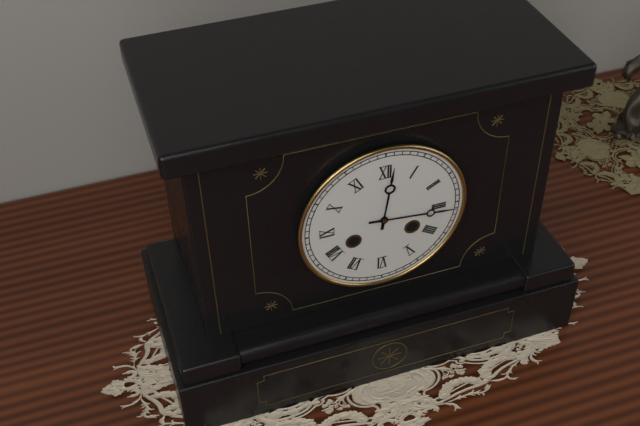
12,16
